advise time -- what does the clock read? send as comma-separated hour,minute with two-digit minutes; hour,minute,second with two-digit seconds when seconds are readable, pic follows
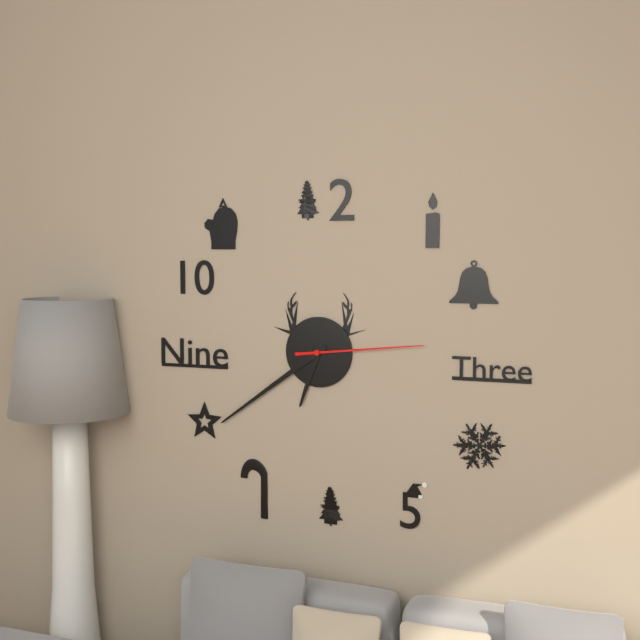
6,39,14
